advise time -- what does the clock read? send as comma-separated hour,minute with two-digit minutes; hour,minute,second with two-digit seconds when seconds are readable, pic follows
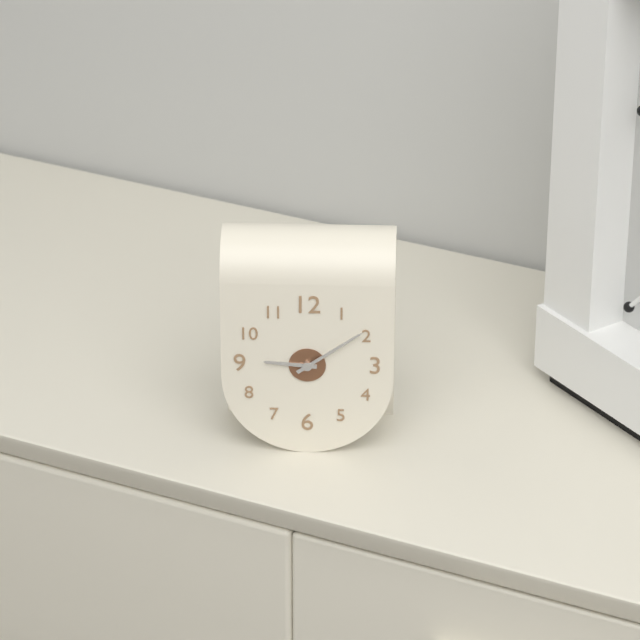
9,09
